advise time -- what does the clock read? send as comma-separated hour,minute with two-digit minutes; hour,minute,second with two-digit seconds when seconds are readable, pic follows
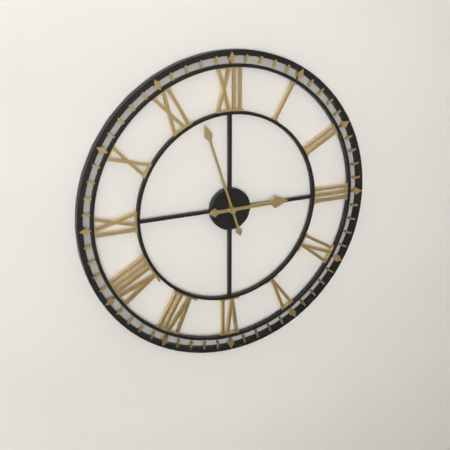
2,57
